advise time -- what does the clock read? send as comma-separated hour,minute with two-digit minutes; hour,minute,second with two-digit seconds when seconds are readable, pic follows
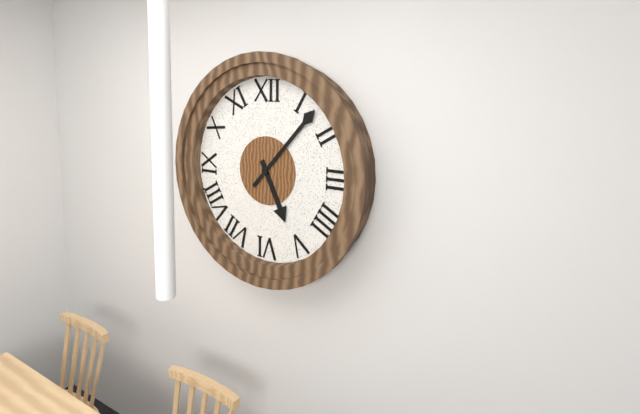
5,07
